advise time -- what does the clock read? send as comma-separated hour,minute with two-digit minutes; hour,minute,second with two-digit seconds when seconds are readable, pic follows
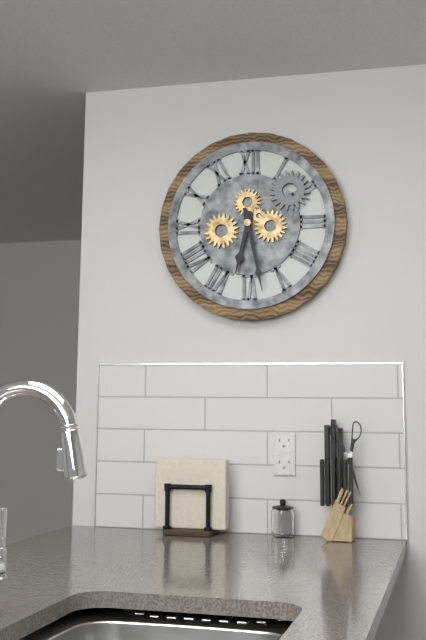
6,28
